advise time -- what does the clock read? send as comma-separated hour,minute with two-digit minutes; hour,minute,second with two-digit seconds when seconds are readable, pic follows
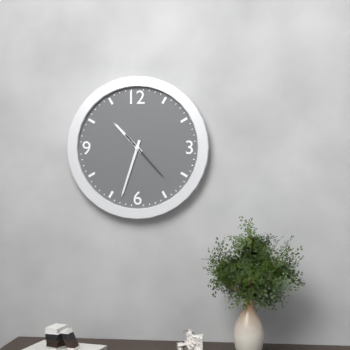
10,33
